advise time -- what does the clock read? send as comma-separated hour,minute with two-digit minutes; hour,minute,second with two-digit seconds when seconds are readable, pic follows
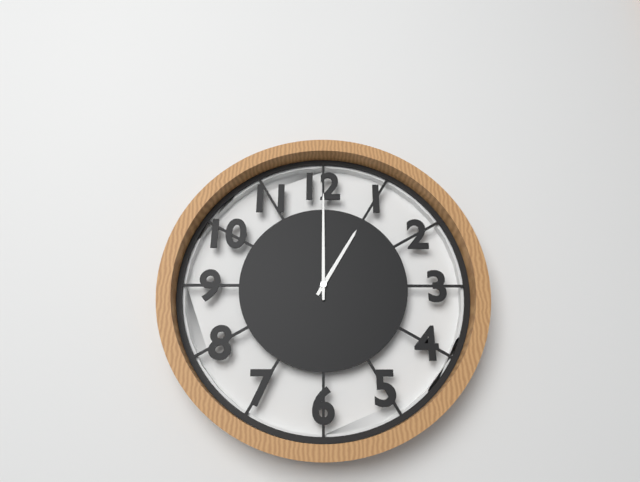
1,00
